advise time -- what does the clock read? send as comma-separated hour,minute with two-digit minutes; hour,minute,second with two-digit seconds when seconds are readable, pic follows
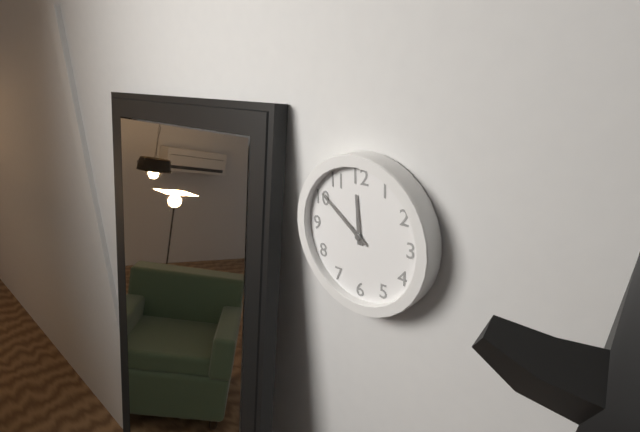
11,51
